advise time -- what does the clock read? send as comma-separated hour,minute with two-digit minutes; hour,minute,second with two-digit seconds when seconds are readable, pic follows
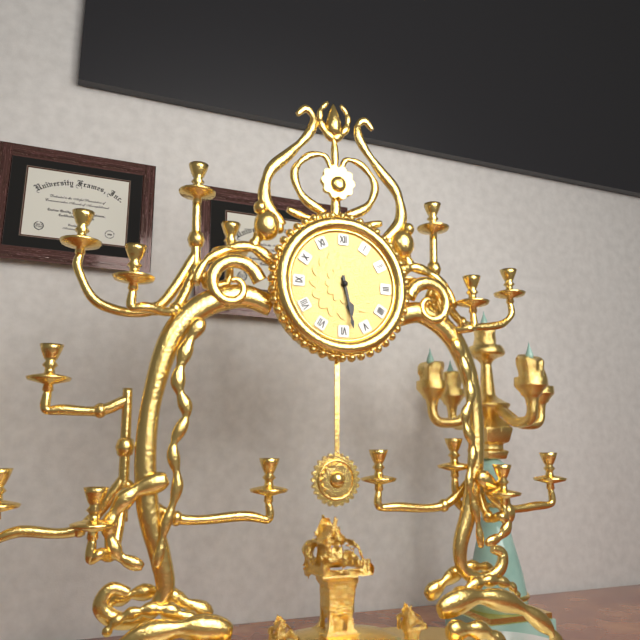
5,28
